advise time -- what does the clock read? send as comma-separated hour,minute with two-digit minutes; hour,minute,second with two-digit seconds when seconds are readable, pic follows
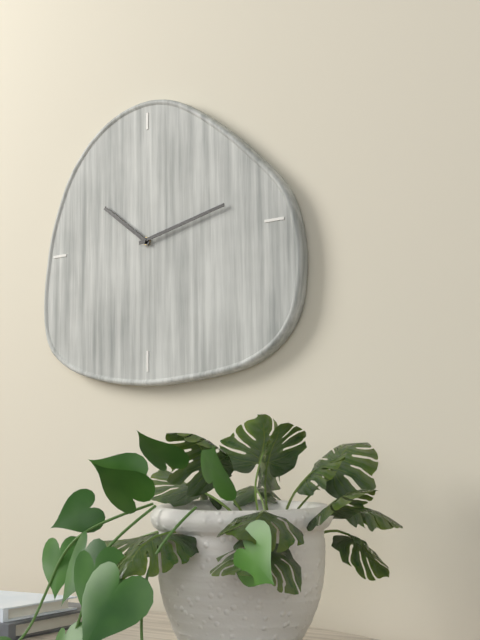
10,13
